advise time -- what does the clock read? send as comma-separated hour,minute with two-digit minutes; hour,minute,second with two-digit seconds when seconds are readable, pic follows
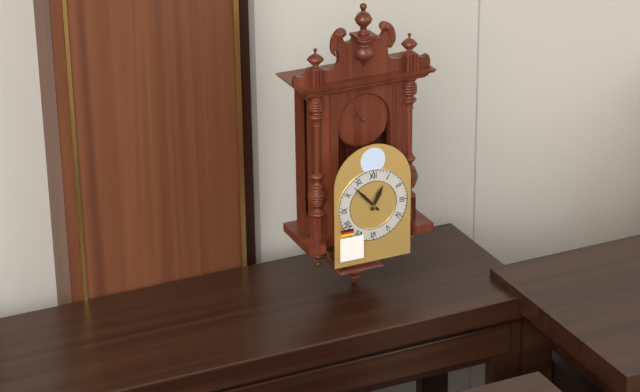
12,53
